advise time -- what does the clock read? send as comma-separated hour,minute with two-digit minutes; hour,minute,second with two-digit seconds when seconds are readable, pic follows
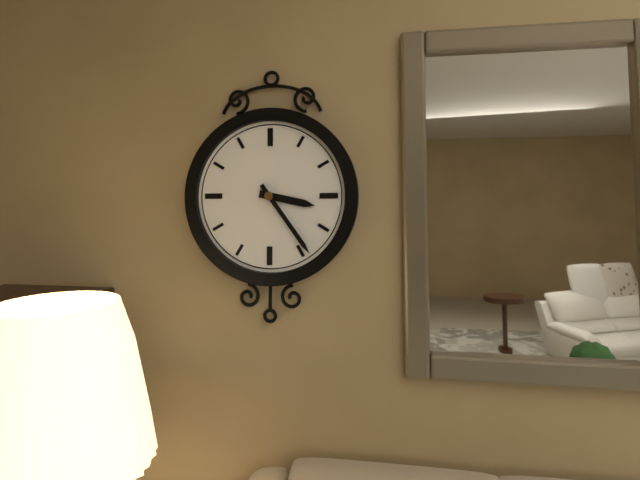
3,24
